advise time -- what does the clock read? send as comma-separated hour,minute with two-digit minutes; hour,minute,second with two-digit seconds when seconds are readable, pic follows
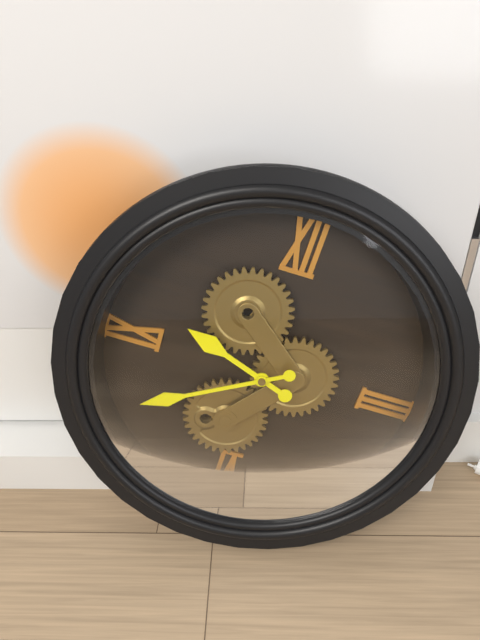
9,40
